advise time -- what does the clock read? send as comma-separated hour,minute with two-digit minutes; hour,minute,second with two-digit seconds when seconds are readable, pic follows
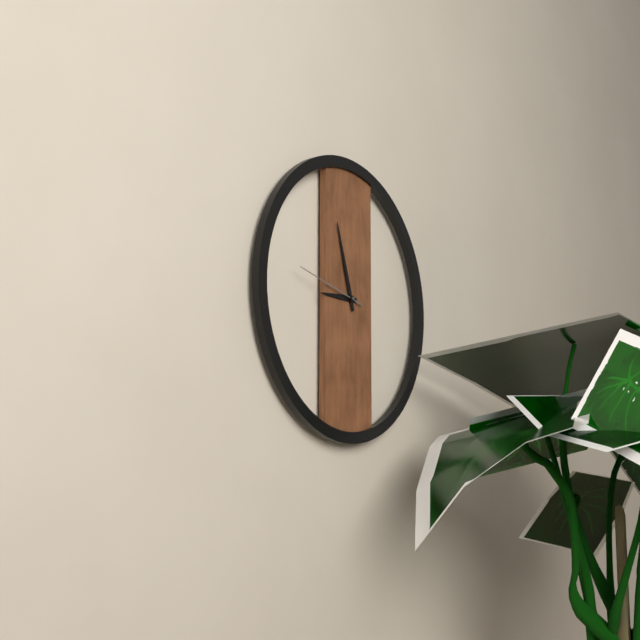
8,57,47
